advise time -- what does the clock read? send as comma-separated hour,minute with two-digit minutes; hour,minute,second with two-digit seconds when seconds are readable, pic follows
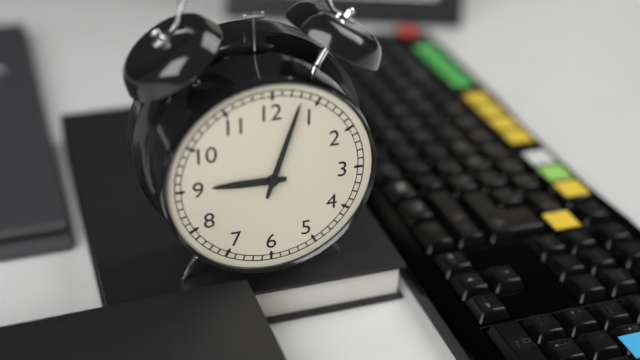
9,03
